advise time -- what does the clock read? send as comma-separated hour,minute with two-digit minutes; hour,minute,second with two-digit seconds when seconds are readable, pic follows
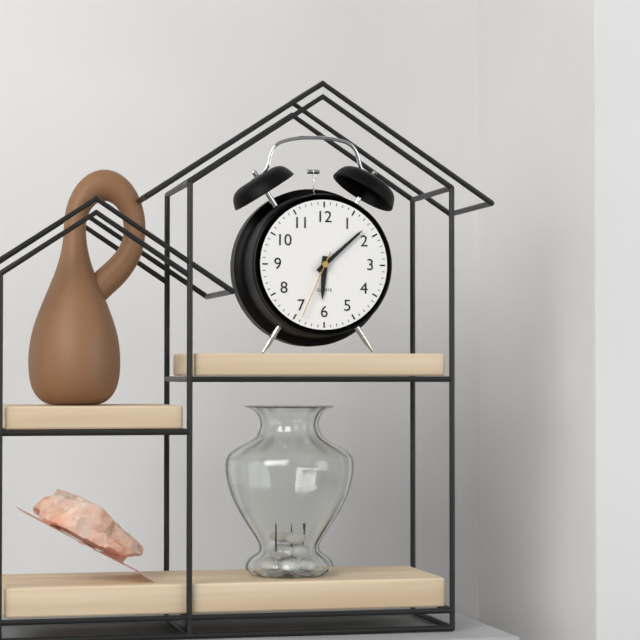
6,08,34
